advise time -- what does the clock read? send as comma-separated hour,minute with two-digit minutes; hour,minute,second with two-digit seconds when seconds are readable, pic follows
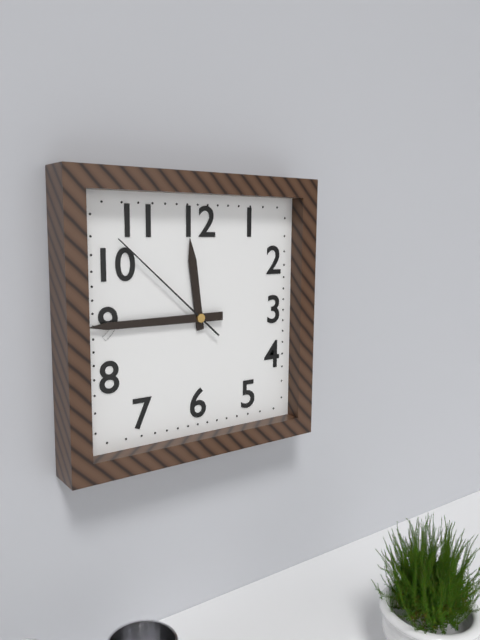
11,45,52
